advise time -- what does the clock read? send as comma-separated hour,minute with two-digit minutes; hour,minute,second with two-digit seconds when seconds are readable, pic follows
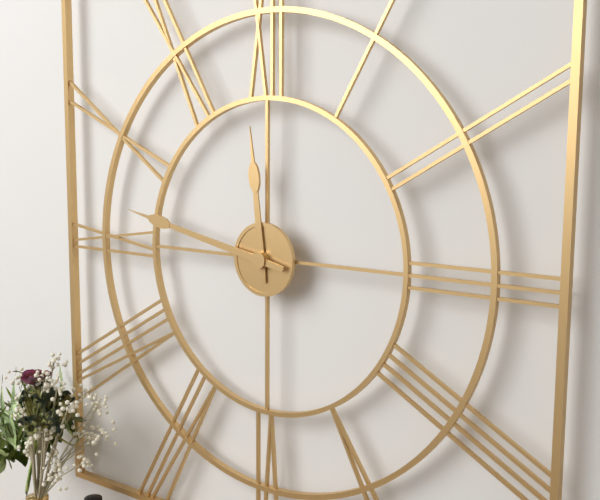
11,47
